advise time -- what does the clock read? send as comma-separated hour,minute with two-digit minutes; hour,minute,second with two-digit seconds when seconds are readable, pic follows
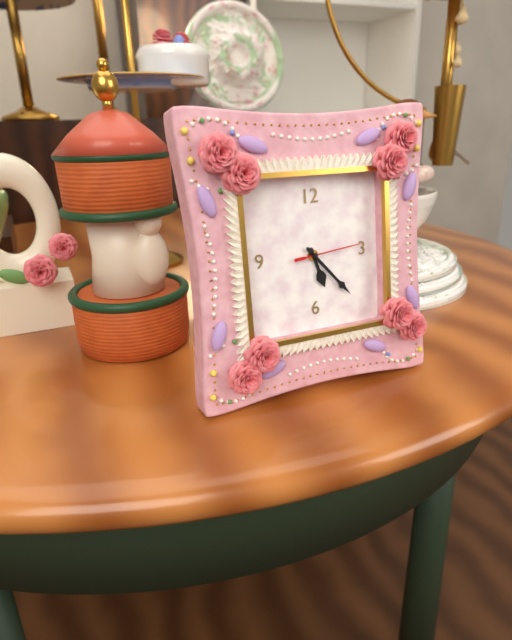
5,23,14
